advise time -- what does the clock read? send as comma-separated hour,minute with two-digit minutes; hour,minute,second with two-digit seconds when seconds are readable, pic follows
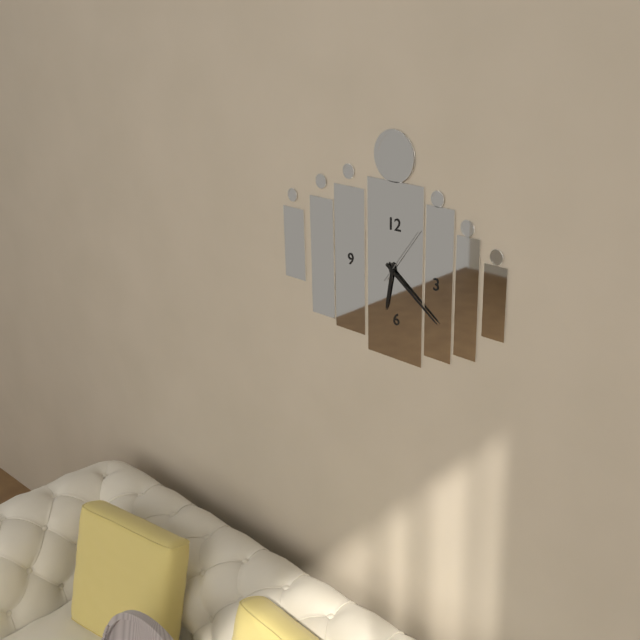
6,21,06
